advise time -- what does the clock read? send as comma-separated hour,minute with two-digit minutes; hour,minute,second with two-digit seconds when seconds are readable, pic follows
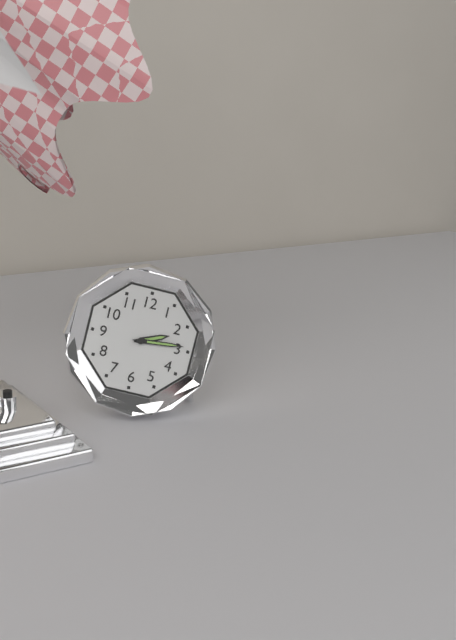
2,14
